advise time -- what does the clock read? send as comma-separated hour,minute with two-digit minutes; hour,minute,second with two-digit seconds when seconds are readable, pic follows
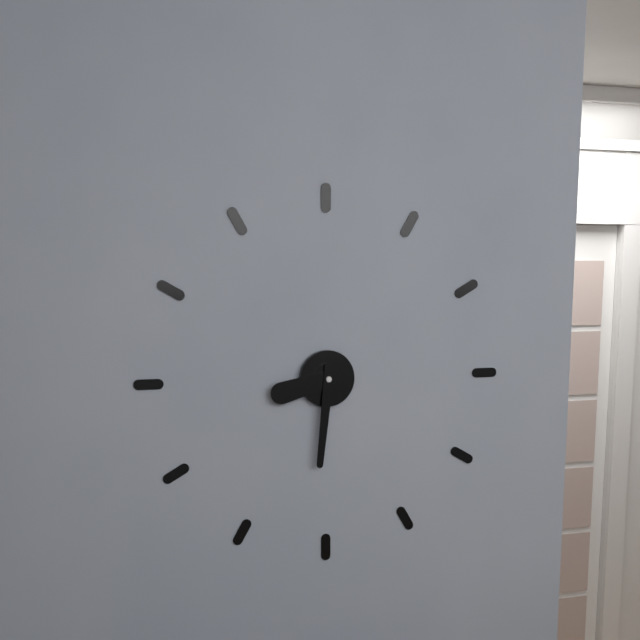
8,31
